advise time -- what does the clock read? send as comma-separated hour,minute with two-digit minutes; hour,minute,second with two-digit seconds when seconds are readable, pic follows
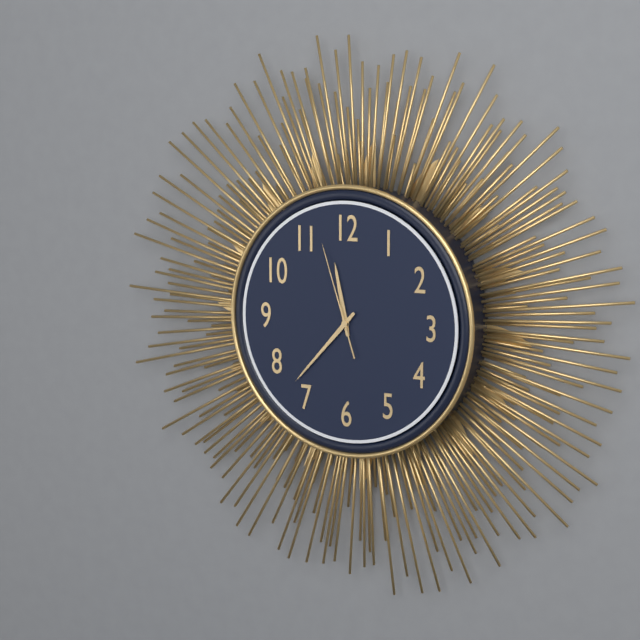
11,37,57
